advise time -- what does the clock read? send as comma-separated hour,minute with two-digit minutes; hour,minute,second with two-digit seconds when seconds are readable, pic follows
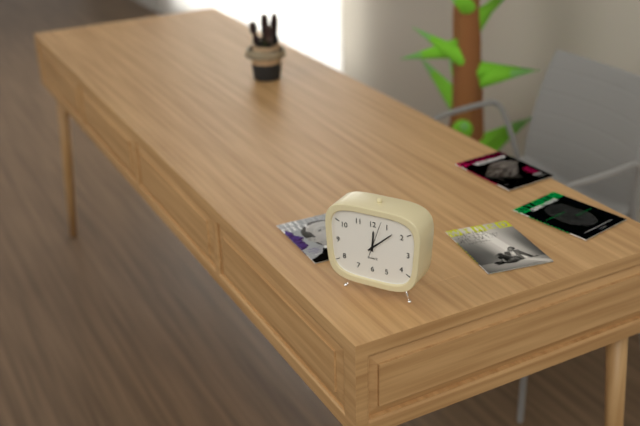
12,08
